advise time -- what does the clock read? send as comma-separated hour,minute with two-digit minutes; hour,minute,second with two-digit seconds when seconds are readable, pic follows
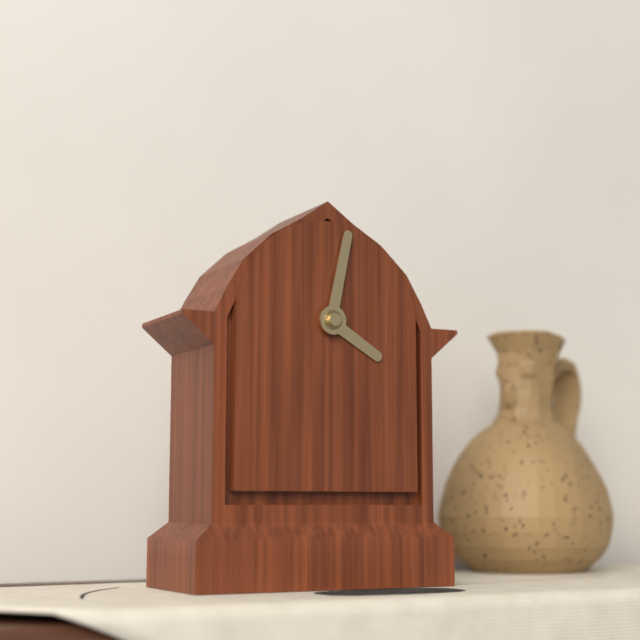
4,02
